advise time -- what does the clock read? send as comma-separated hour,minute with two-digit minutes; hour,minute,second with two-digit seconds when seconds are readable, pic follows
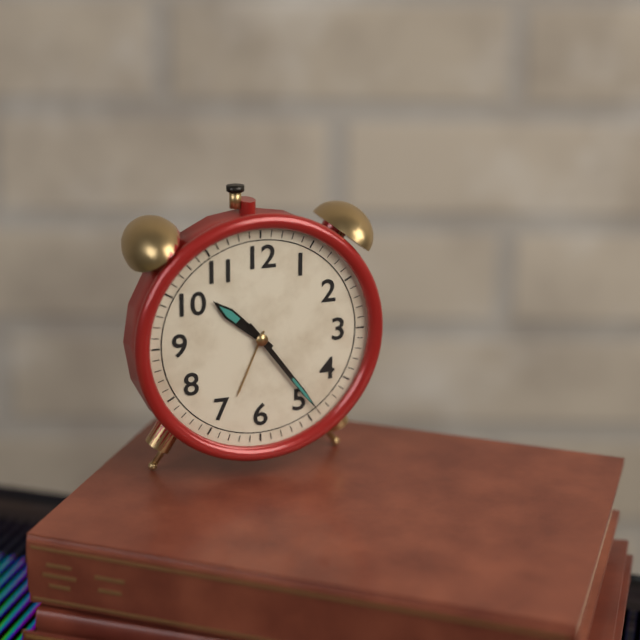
10,24
